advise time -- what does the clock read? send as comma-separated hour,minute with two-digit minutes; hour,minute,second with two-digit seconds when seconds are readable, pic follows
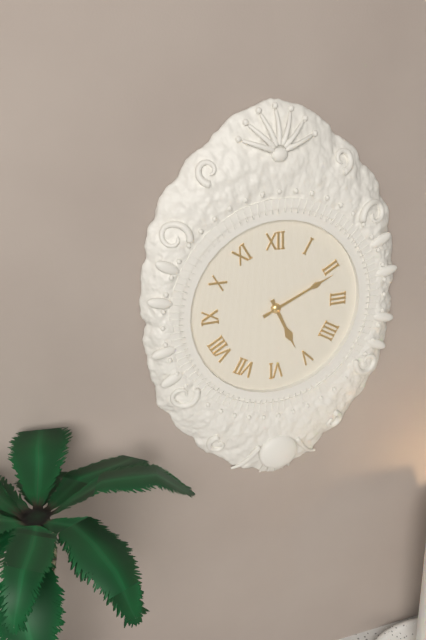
5,11
